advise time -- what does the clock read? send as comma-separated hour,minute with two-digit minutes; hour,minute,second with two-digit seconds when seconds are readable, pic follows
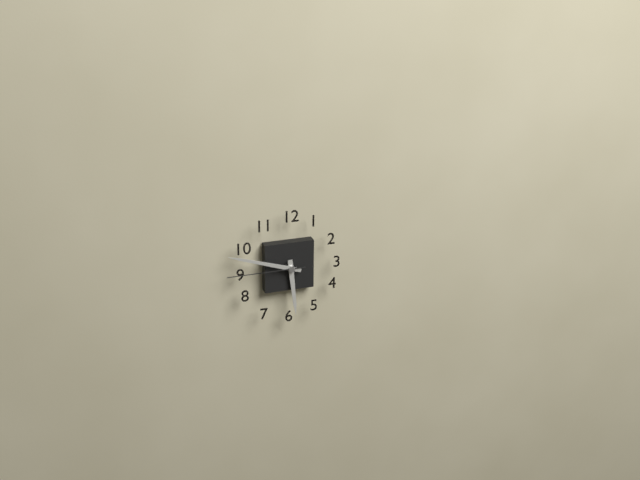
5,48,45
